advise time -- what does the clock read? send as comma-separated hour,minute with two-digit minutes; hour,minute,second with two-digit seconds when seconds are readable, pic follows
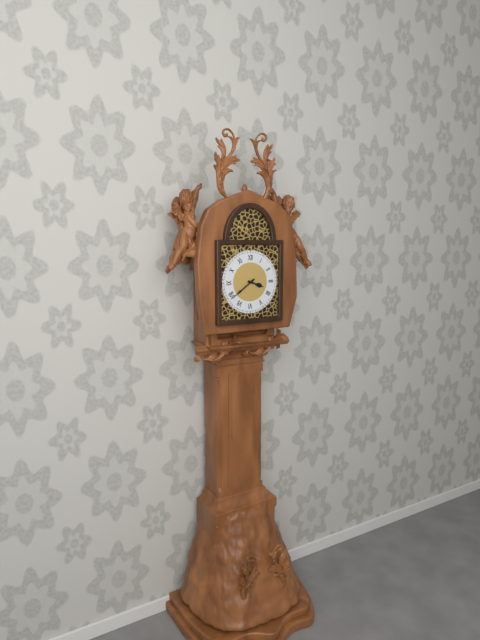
3,39
